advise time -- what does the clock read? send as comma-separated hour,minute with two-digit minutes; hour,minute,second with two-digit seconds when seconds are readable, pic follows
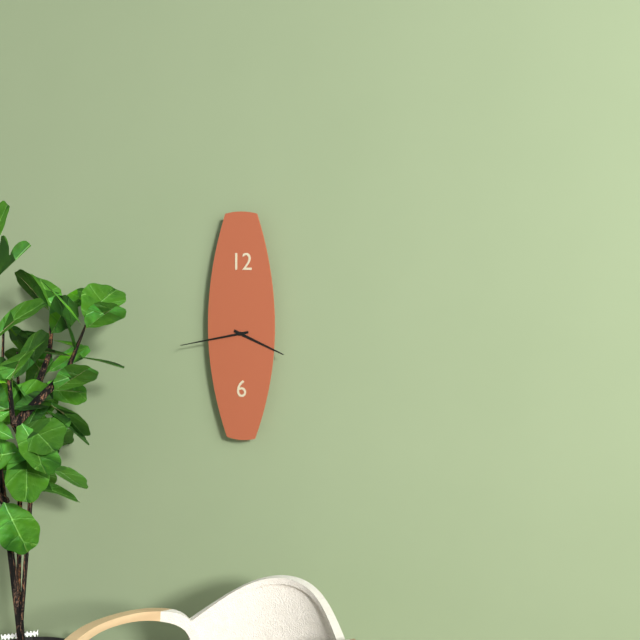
3,43
